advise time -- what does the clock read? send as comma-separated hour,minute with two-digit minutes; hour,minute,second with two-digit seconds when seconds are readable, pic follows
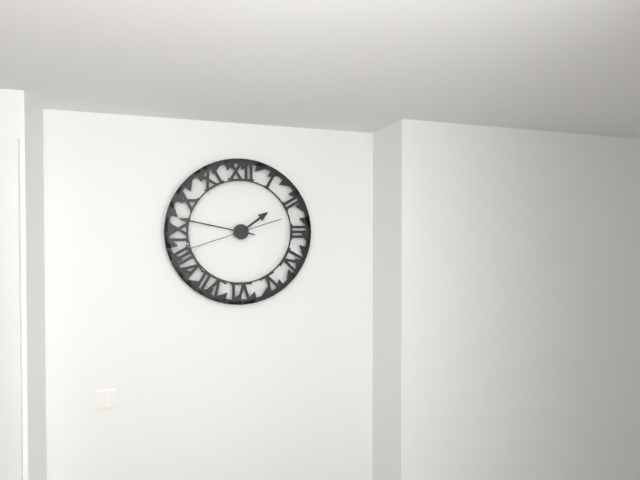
1,47,42
